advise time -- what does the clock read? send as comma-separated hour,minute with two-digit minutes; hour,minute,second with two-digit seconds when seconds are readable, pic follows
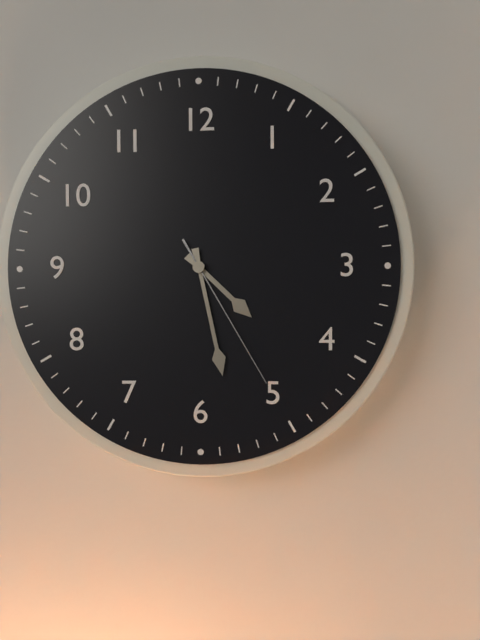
4,28,25
